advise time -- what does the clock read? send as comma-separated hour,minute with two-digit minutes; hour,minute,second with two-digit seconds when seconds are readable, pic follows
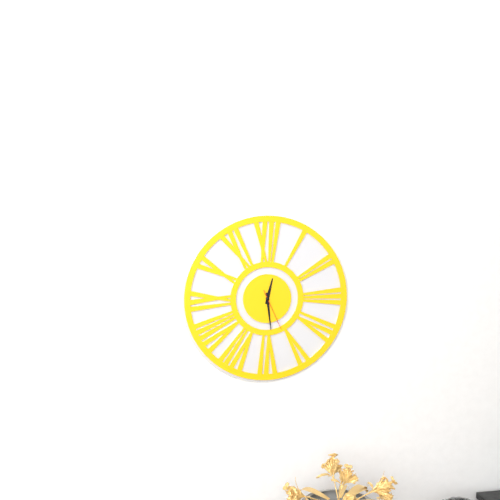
12,29
